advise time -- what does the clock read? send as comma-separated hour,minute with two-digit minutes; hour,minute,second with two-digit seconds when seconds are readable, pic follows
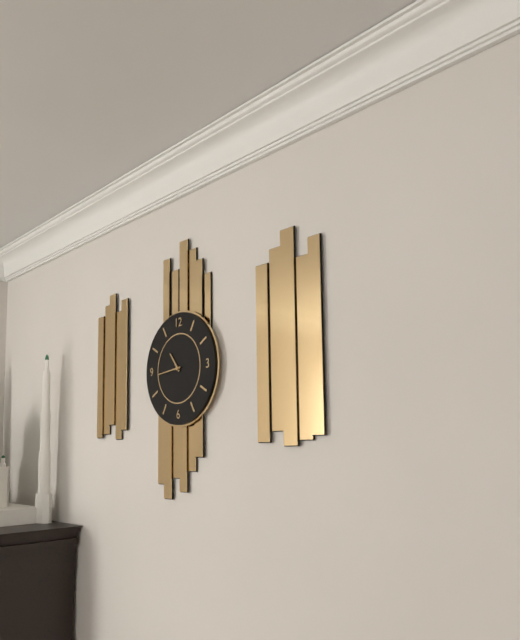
10,44
